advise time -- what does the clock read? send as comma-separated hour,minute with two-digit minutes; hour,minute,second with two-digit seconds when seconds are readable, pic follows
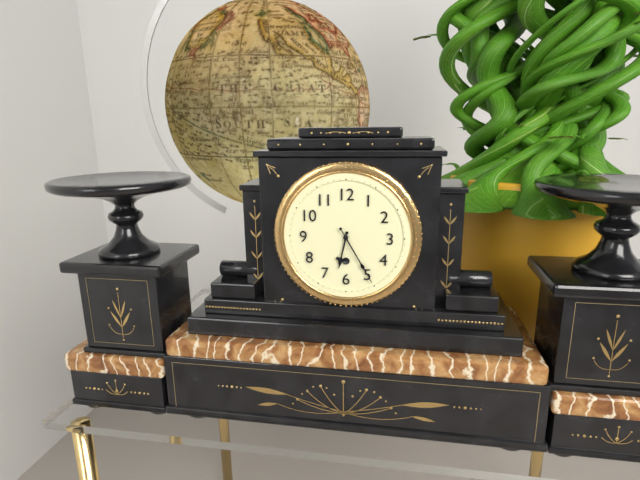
6,25
